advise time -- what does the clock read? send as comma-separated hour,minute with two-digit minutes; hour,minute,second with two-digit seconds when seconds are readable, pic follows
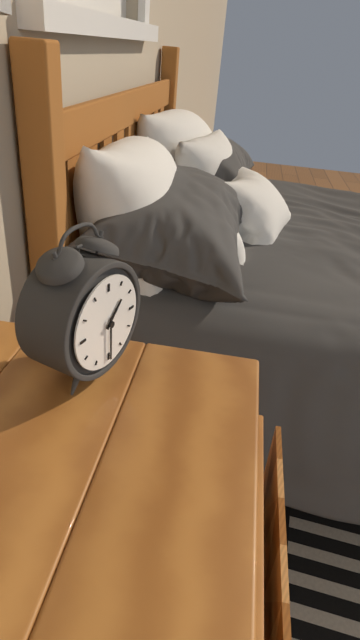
1,30
